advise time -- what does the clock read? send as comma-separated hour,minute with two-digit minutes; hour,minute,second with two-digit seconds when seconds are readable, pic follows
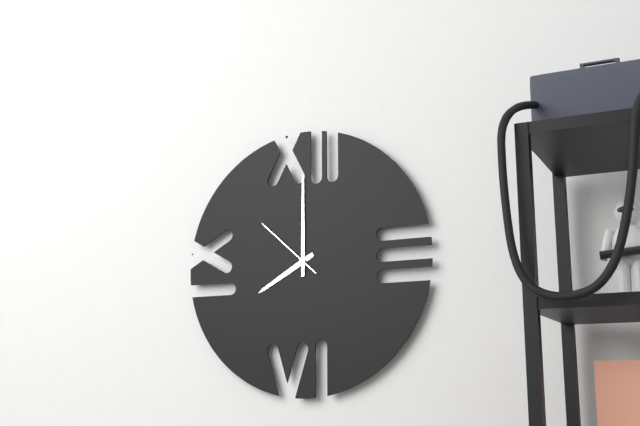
8,00,52
